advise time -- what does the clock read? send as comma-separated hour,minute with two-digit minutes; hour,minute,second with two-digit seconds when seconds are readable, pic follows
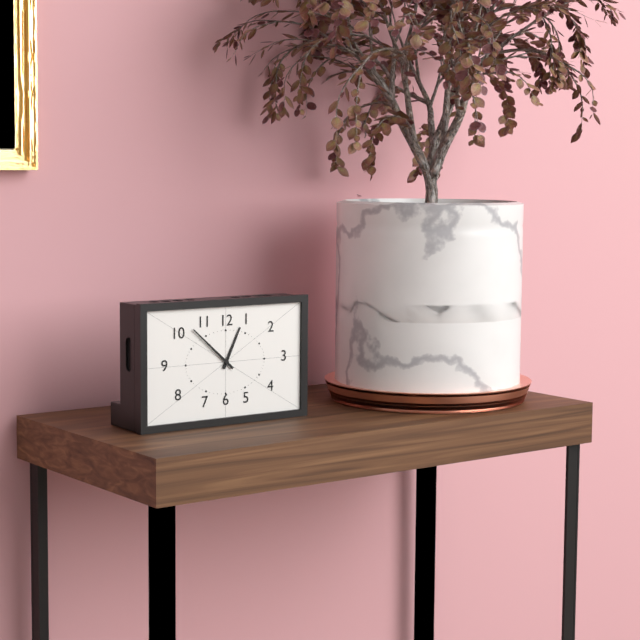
12,52
